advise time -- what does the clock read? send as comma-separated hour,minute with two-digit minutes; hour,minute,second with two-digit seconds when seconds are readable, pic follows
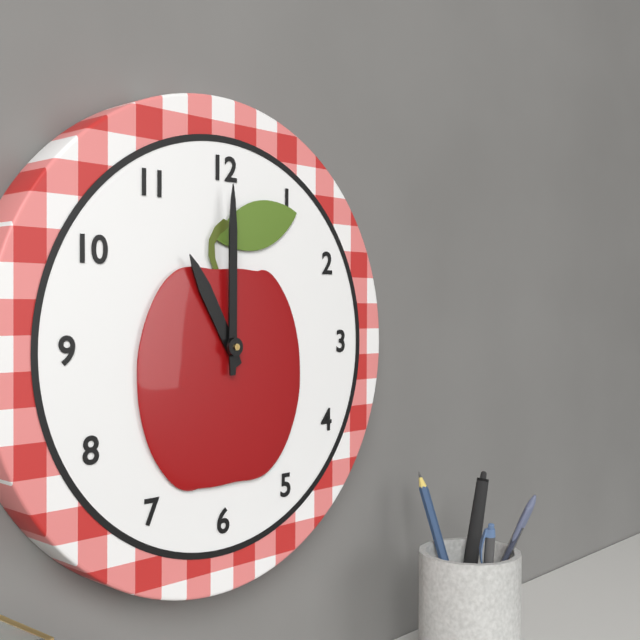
11,00
